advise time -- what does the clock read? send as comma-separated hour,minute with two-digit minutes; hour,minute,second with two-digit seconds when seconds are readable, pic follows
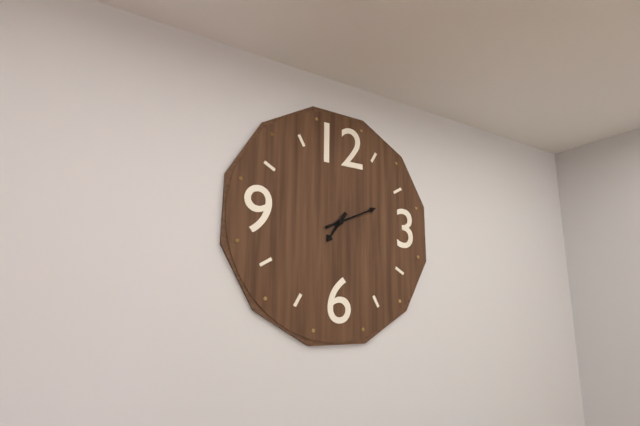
7,11
